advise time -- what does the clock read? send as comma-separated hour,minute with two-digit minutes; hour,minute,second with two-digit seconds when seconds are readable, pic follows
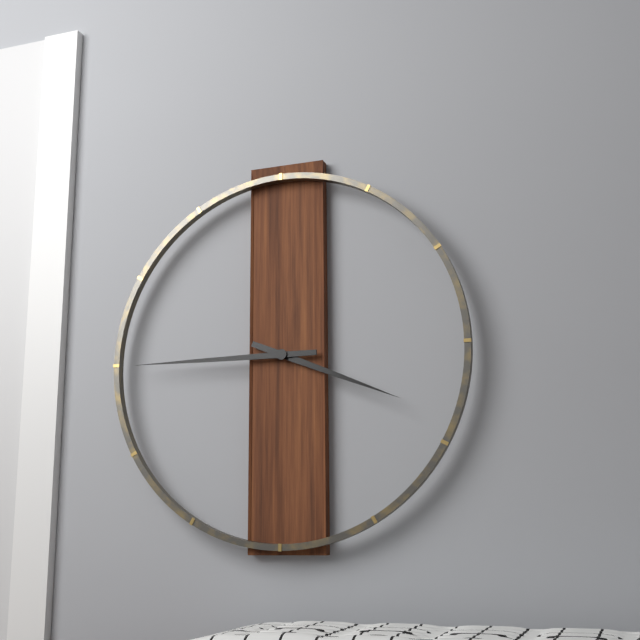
3,45
